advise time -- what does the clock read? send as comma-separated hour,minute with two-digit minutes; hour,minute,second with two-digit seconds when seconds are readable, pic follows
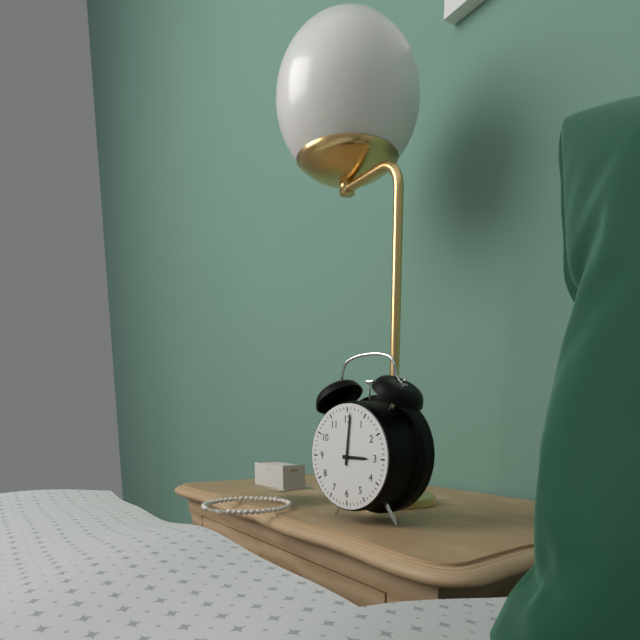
3,01
